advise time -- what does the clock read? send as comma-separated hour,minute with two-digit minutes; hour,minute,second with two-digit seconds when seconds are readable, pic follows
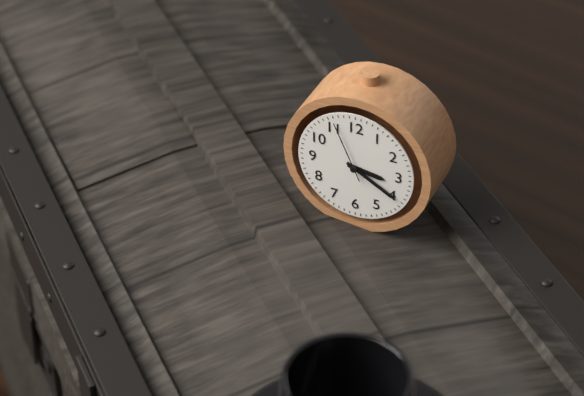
3,20,56
